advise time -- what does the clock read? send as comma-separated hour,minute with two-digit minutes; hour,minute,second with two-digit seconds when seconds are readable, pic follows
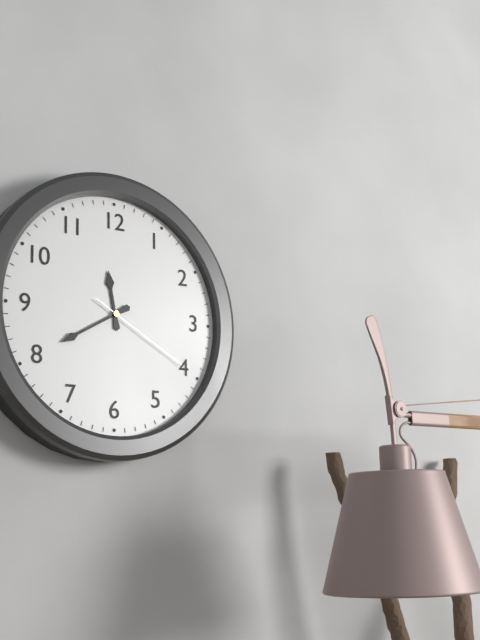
11,40,20
